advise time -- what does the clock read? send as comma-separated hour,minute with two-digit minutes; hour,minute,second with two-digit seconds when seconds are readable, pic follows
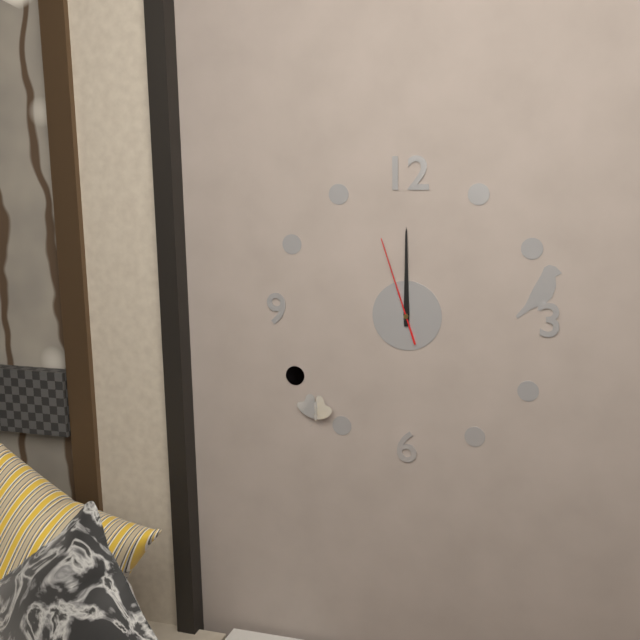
12,00,57
